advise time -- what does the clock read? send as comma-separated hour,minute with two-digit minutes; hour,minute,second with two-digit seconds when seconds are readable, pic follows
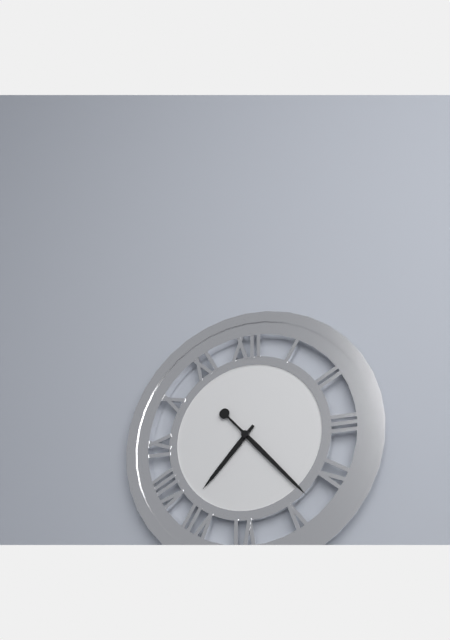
7,23
